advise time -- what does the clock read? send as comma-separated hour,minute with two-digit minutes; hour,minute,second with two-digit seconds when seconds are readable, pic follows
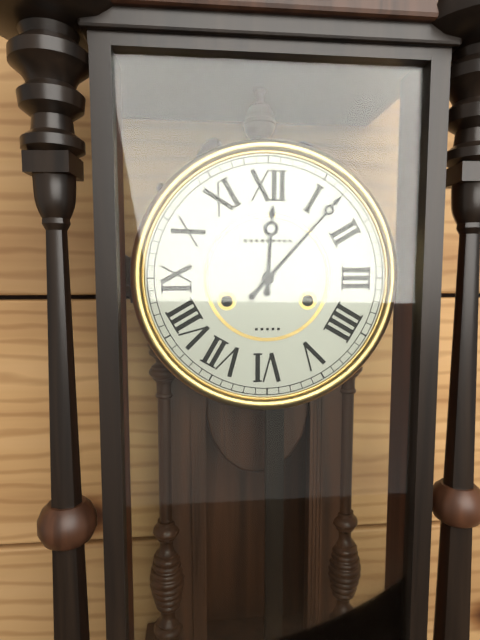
12,07
